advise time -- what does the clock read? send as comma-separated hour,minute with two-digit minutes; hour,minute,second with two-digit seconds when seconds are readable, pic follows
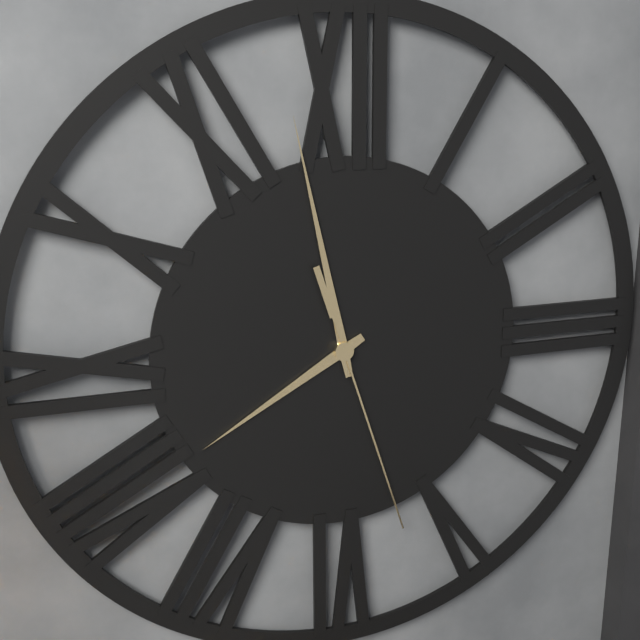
7,58,27
